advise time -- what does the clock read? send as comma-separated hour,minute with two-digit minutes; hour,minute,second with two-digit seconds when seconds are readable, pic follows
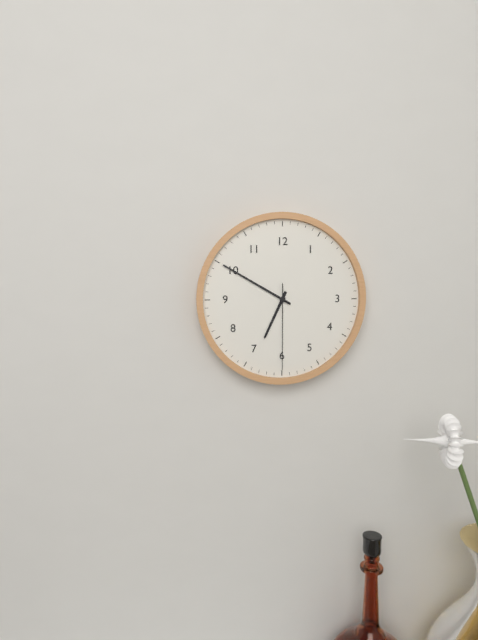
6,50,30
